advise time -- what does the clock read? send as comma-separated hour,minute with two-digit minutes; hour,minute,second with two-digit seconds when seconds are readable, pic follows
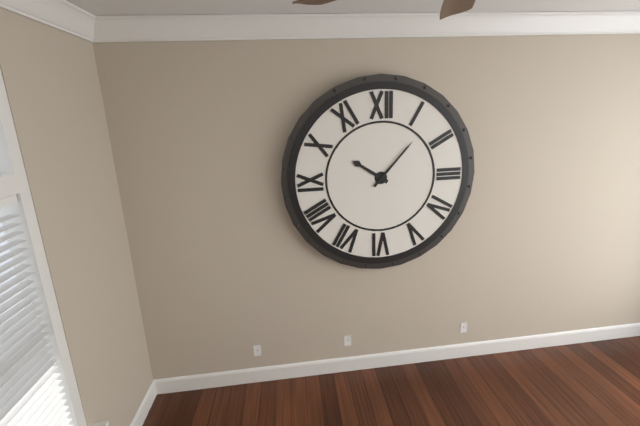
10,07
